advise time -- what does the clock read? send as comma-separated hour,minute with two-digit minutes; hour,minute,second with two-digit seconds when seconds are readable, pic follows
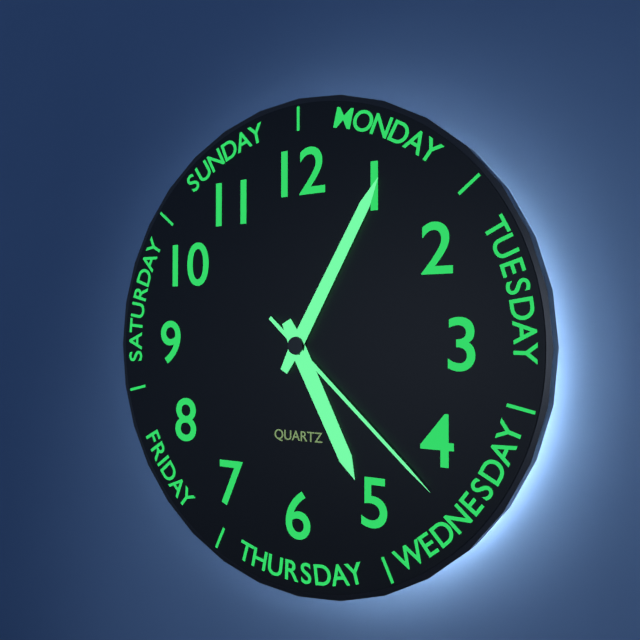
5,05,22
